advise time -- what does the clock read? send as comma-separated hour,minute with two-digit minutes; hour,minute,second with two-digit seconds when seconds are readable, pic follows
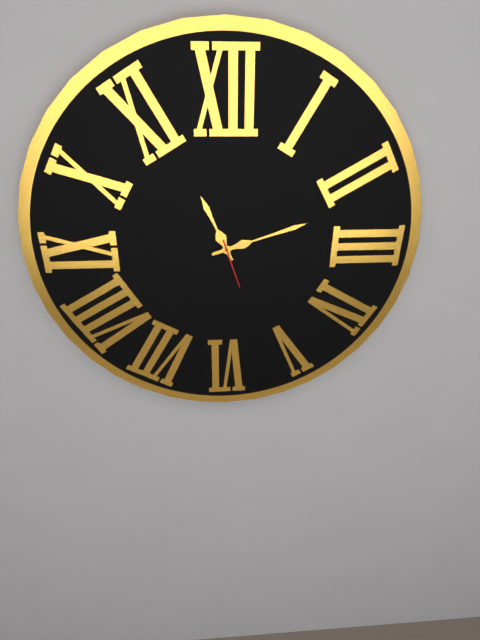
11,12,27
